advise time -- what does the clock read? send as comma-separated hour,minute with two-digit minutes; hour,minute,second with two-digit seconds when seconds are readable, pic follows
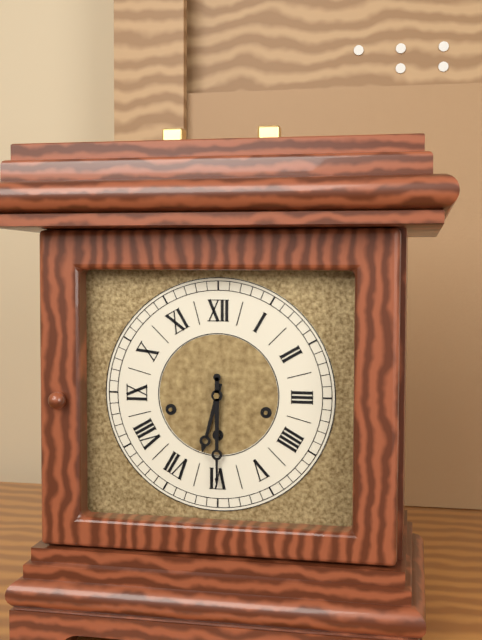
6,30
